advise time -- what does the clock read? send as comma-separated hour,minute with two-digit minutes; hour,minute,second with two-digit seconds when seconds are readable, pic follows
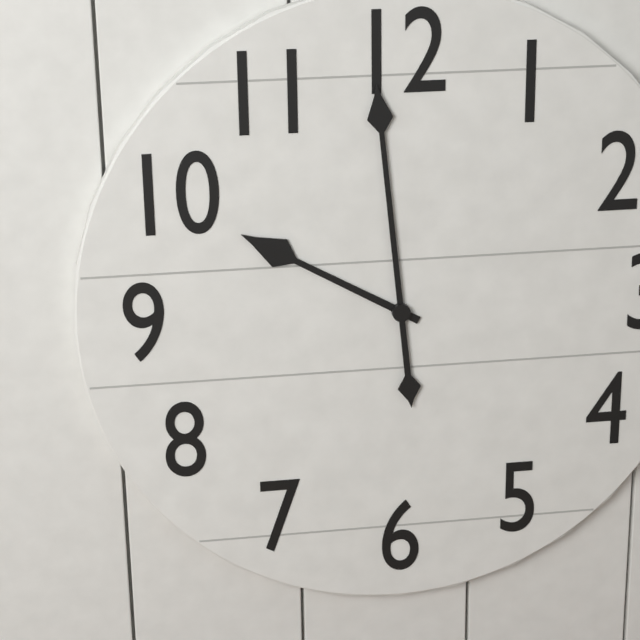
9,59
